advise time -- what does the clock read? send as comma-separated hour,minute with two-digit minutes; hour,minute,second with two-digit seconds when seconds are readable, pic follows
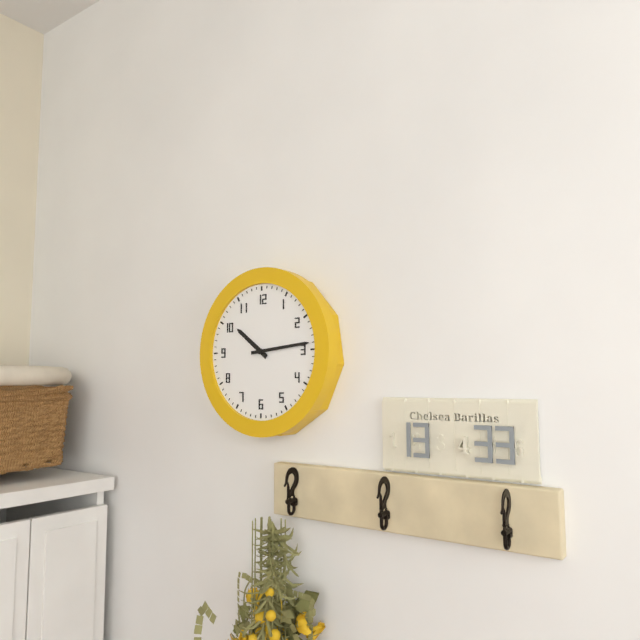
10,14
